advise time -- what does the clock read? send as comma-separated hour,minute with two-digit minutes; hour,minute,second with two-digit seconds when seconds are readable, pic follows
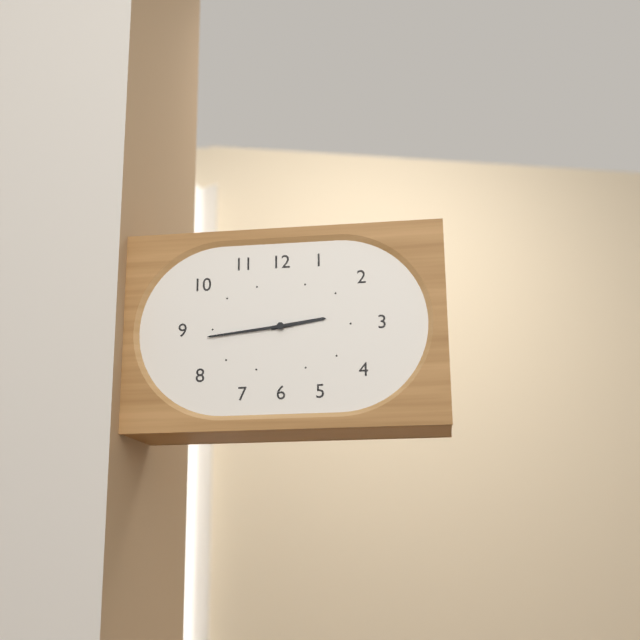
2,44
